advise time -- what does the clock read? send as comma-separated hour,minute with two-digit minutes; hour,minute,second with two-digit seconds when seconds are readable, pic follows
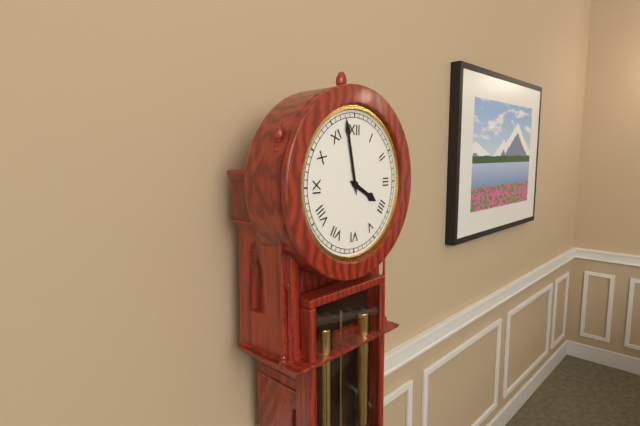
3,58
